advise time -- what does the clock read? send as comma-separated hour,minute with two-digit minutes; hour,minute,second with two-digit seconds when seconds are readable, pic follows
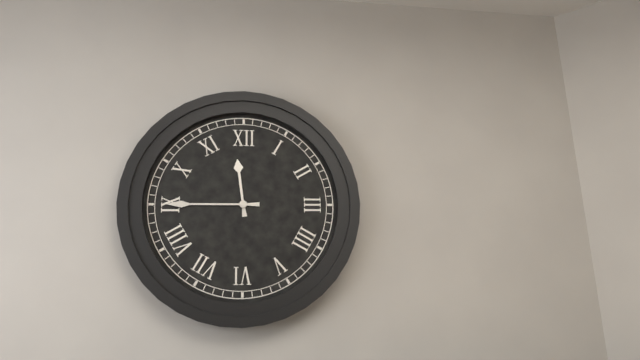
11,45
